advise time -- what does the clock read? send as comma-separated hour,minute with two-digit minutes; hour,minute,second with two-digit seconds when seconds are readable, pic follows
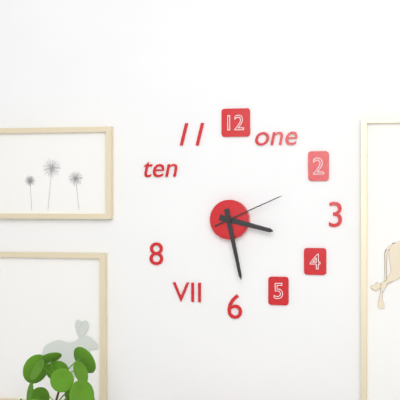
3,28,11
